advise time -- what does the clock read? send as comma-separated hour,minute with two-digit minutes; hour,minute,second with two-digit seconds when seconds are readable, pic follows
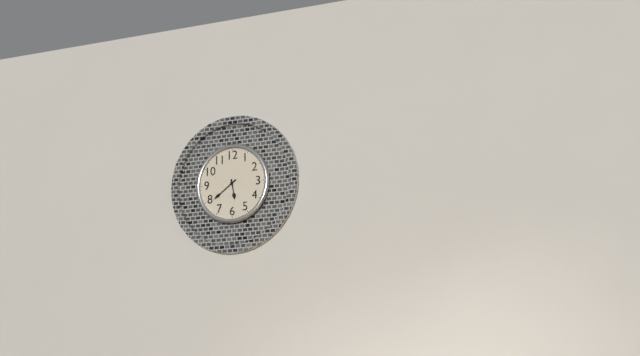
5,39
